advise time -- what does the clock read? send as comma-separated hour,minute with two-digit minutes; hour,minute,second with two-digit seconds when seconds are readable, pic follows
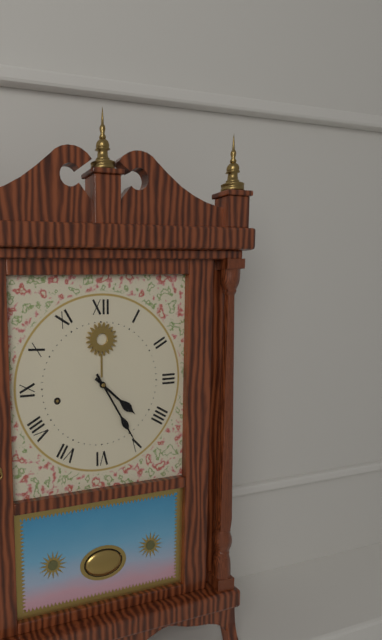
4,25
